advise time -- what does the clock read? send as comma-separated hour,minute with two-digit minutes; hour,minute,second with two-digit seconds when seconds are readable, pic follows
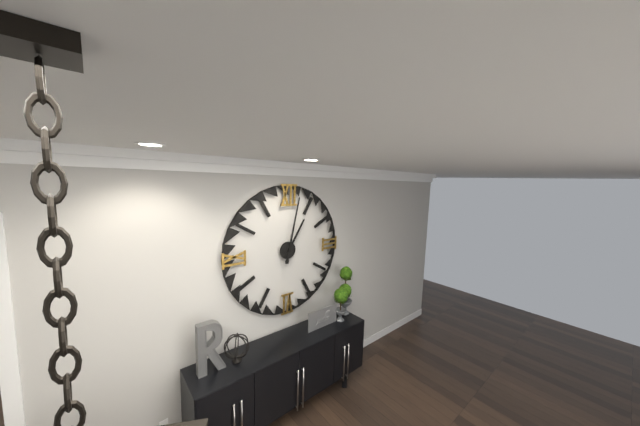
1,02
